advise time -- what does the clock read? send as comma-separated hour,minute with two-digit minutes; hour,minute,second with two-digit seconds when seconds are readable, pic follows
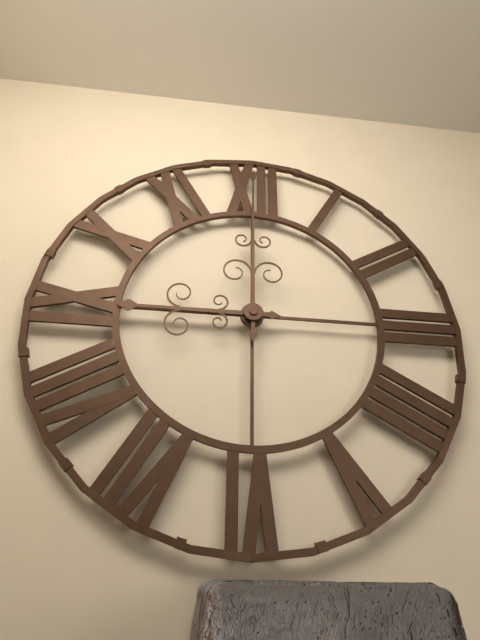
9,00
